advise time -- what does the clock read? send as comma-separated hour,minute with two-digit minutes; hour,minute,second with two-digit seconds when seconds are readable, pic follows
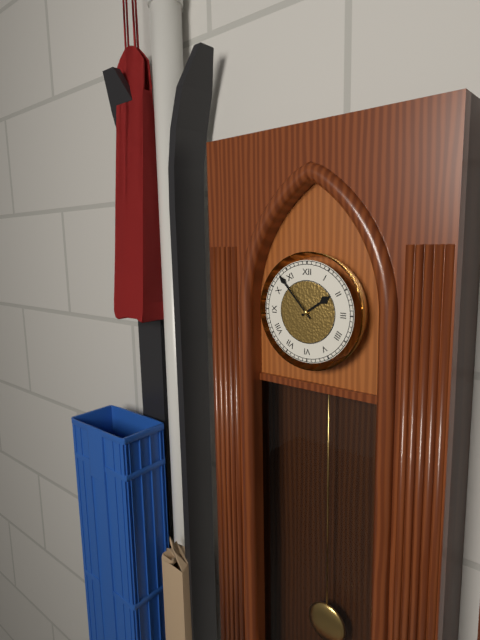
1,53
